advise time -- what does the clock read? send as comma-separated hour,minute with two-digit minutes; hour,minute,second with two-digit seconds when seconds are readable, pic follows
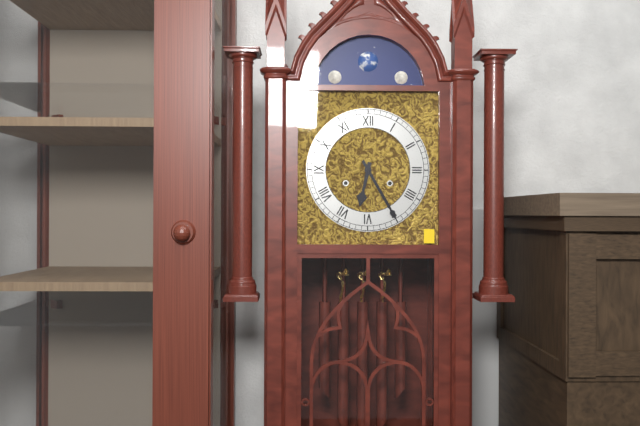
6,25
